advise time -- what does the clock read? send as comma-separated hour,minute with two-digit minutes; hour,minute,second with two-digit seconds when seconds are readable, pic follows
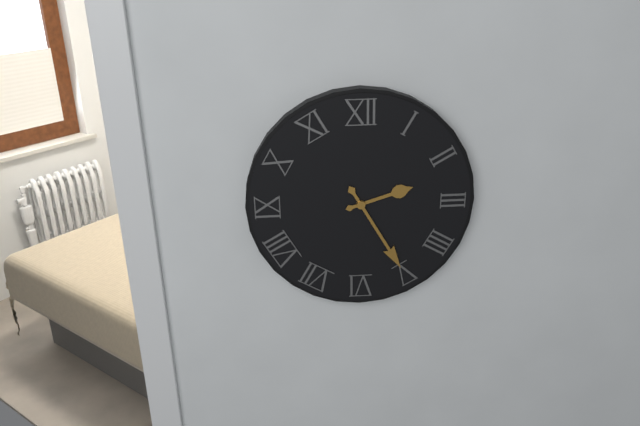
2,25
